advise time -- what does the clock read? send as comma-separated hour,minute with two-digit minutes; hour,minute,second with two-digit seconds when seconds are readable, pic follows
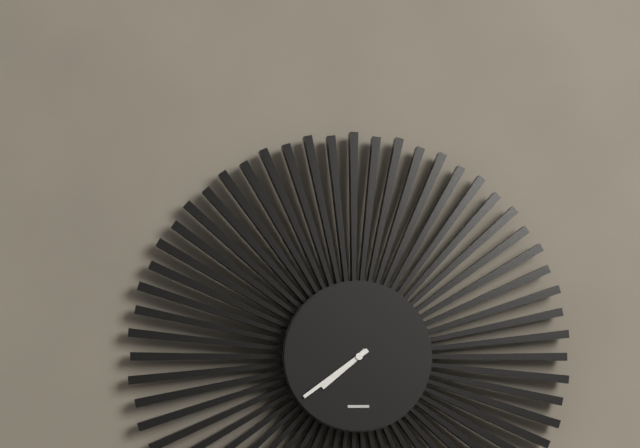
7,39
